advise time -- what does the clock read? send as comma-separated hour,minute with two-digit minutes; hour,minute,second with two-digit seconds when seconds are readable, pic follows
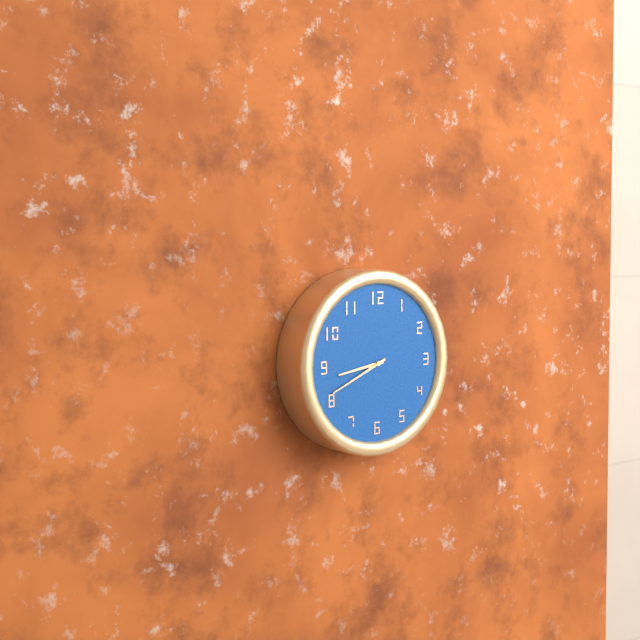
8,41
